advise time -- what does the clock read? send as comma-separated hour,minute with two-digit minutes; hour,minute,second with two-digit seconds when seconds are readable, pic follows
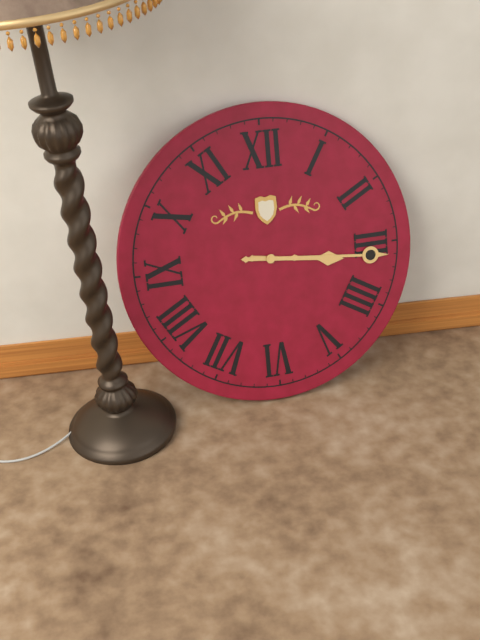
3,16
